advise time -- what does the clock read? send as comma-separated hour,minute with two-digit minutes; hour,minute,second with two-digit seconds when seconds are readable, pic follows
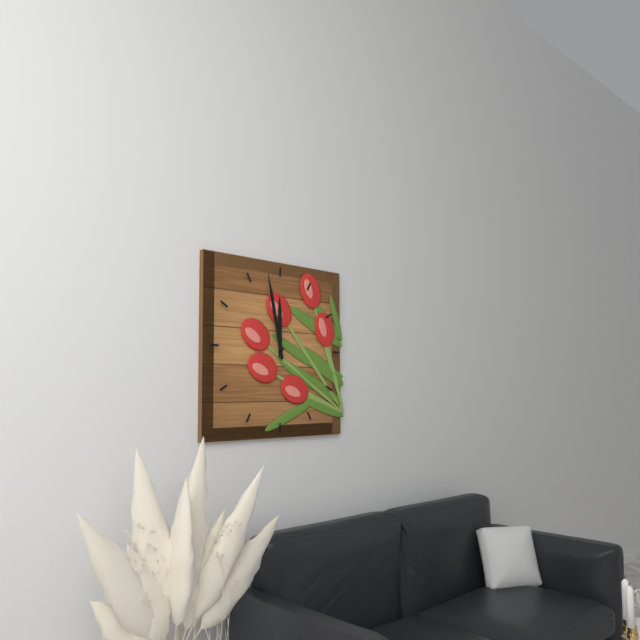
11,58
